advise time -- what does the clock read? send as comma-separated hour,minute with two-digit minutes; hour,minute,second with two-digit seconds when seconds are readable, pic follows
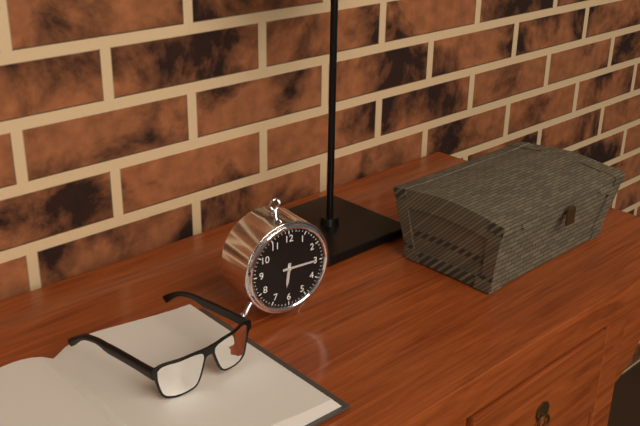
6,15
